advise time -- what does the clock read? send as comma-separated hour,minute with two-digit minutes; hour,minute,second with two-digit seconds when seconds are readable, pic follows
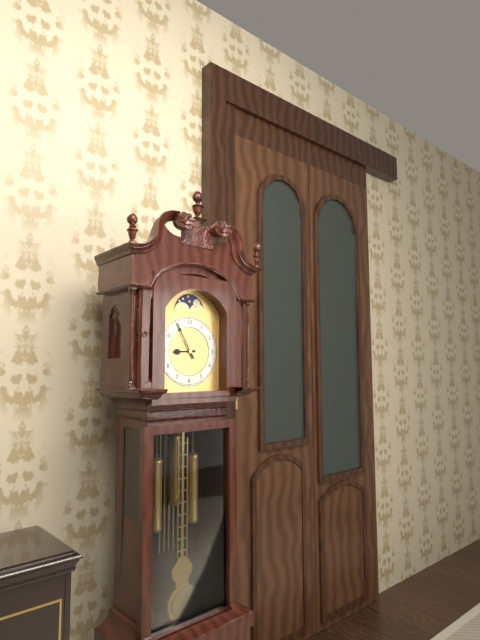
8,55
